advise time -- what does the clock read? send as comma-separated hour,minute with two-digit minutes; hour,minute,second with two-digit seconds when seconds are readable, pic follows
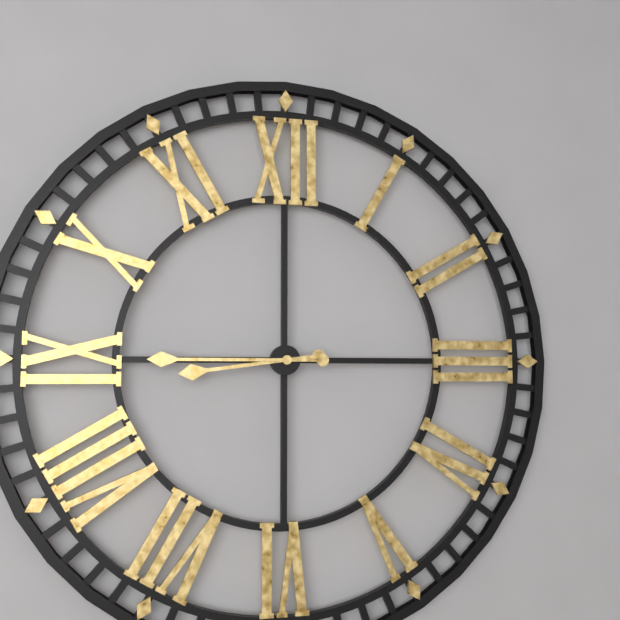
8,45
